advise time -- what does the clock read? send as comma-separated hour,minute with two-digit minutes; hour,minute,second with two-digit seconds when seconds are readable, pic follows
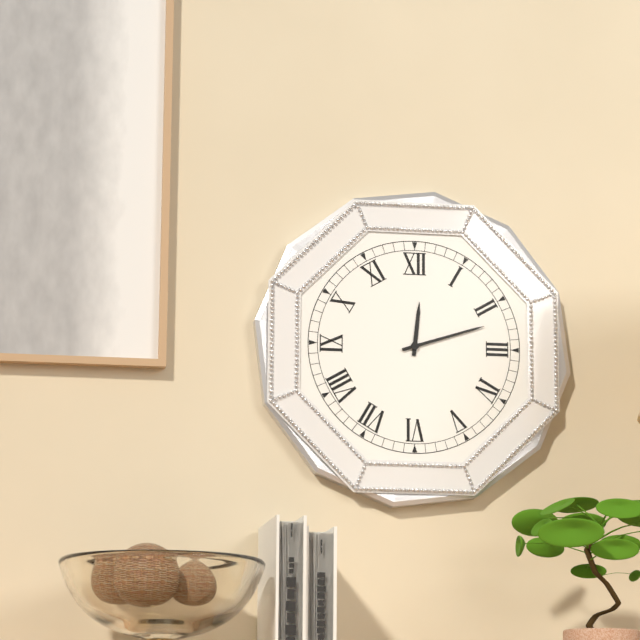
12,12
